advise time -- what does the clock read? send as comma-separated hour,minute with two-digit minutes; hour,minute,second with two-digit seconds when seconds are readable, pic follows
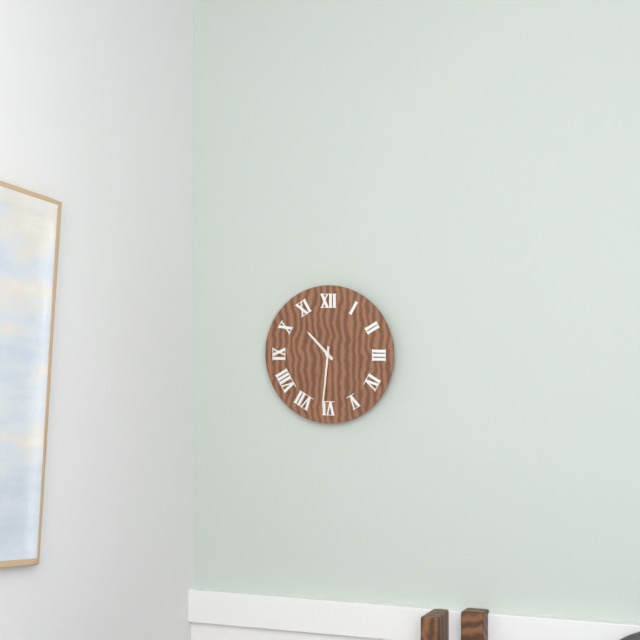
10,31
